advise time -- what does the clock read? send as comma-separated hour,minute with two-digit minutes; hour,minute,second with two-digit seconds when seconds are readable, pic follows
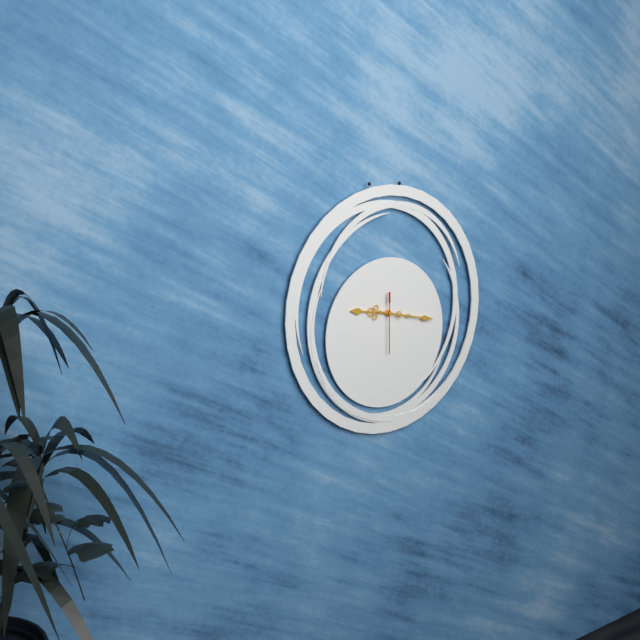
9,17,30
